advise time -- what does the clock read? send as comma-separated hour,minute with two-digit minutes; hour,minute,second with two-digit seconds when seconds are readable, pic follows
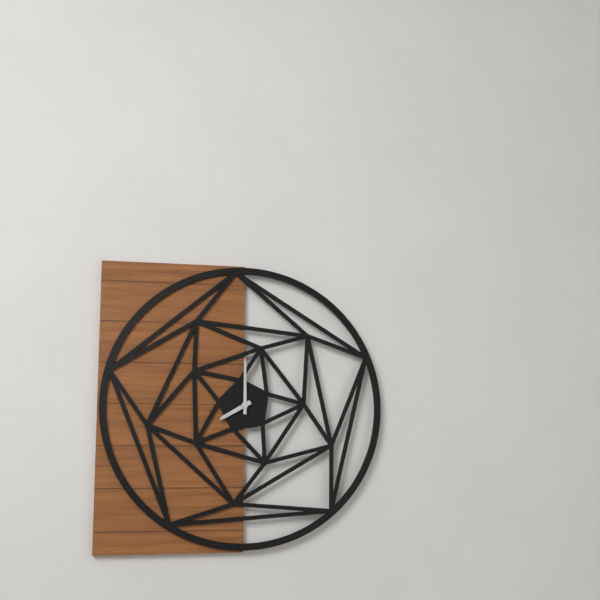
8,00
